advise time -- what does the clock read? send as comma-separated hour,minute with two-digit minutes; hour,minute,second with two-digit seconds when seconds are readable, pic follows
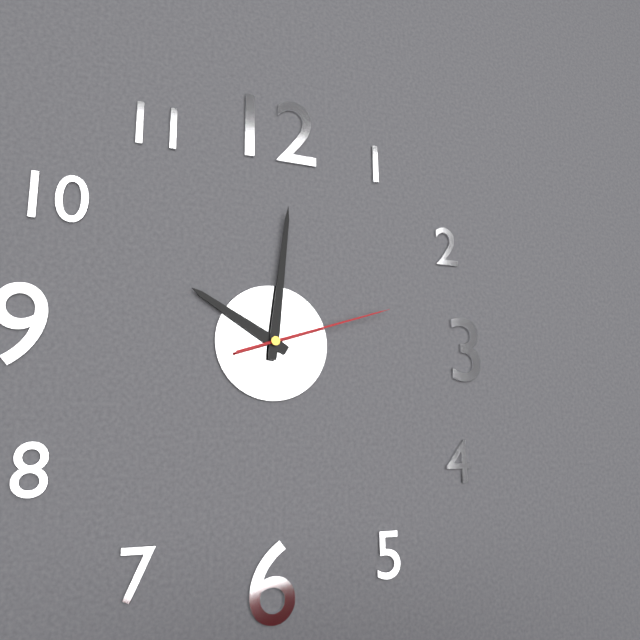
10,01,12
